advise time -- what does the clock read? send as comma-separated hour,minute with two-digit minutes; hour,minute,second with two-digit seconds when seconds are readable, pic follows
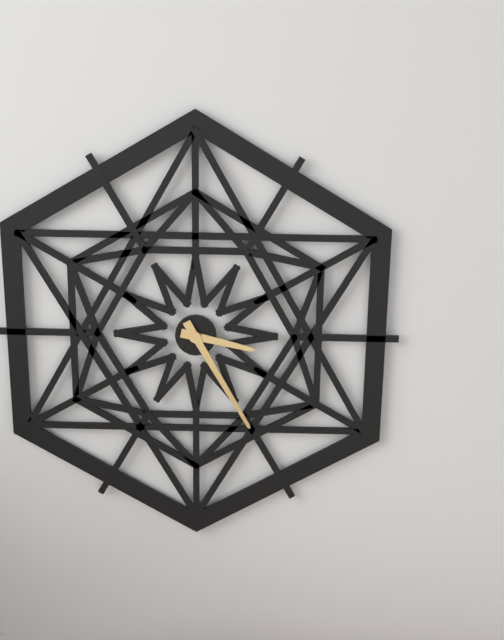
3,25
